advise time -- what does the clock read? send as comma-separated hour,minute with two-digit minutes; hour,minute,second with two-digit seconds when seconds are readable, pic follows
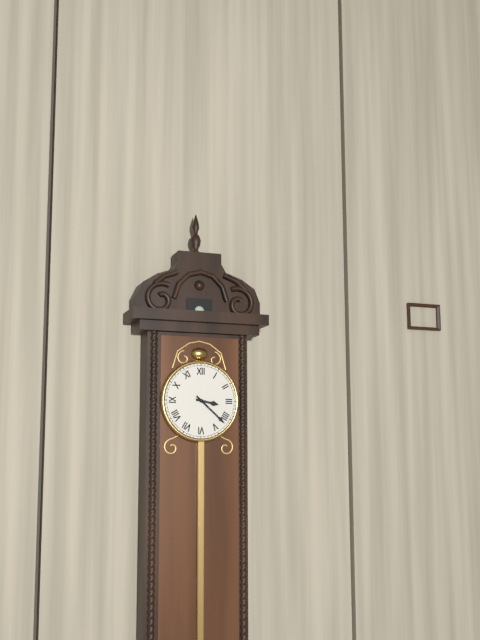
3,22
